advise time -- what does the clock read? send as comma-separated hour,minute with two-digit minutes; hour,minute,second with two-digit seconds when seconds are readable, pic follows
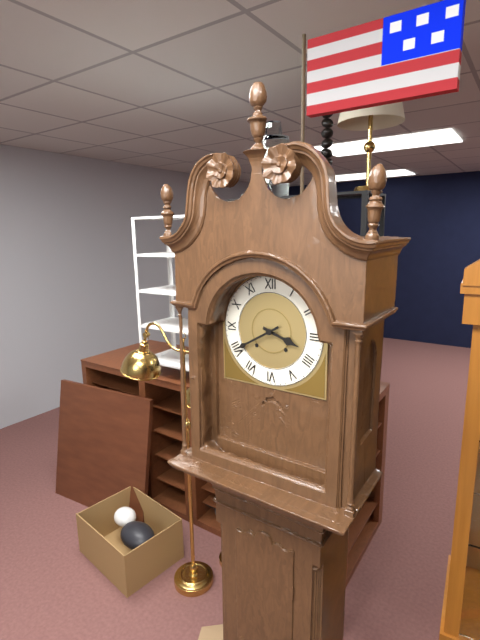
3,40
